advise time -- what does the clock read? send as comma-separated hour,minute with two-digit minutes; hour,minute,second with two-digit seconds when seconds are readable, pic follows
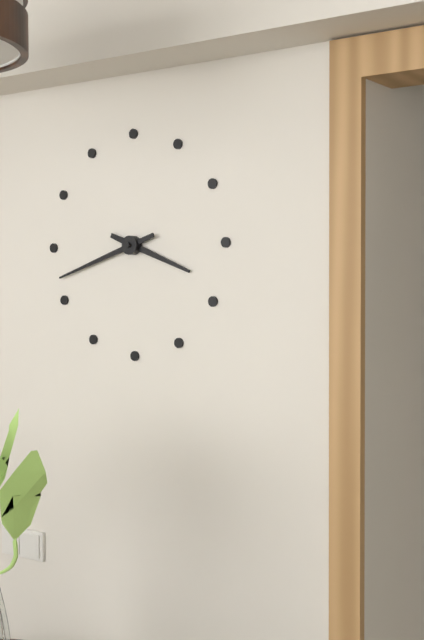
3,42
